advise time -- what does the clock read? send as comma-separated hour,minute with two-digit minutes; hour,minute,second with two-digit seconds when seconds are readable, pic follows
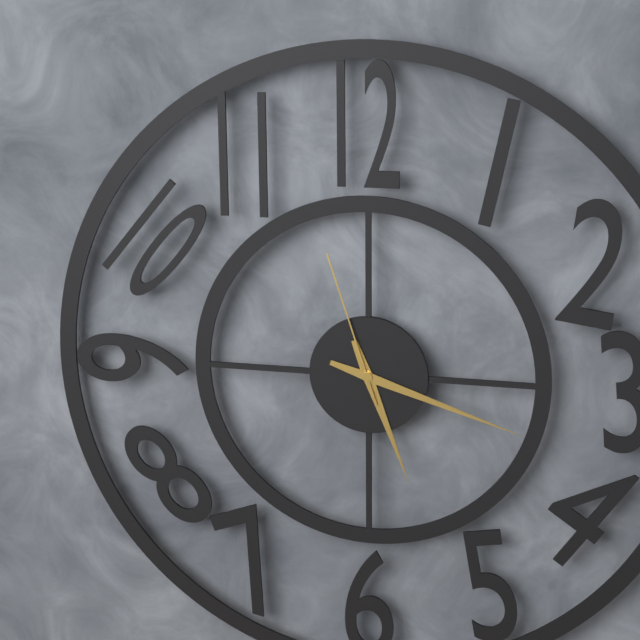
5,18,57
